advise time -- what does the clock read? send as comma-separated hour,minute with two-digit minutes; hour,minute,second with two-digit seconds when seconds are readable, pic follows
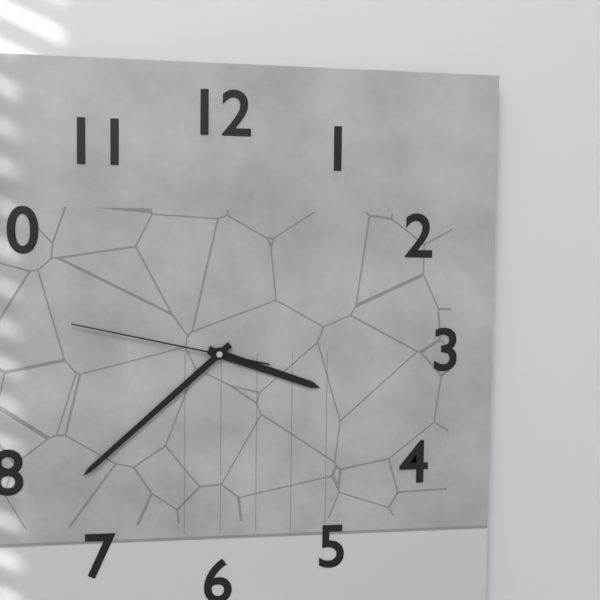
3,38,47
